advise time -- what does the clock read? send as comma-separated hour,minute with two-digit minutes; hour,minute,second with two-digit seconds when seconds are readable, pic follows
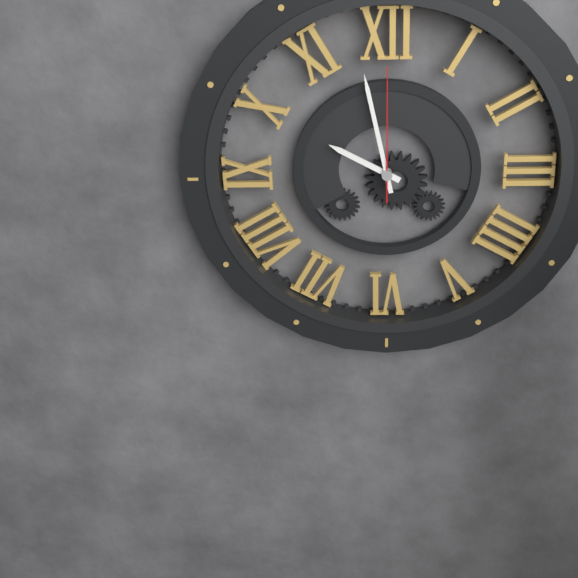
9,58,00
